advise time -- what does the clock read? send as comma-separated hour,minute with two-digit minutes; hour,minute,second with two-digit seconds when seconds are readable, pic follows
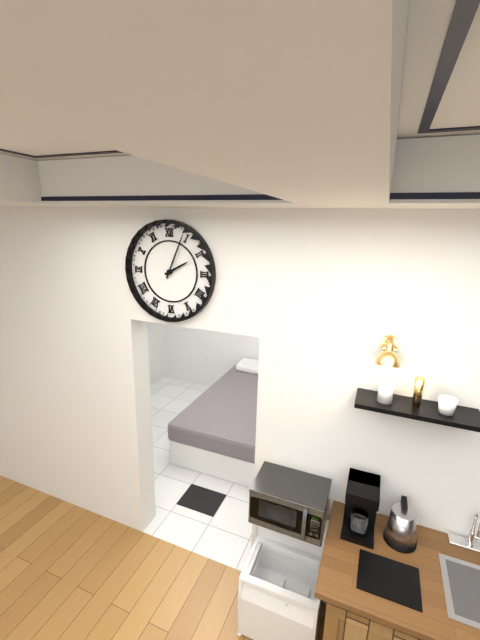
2,04
